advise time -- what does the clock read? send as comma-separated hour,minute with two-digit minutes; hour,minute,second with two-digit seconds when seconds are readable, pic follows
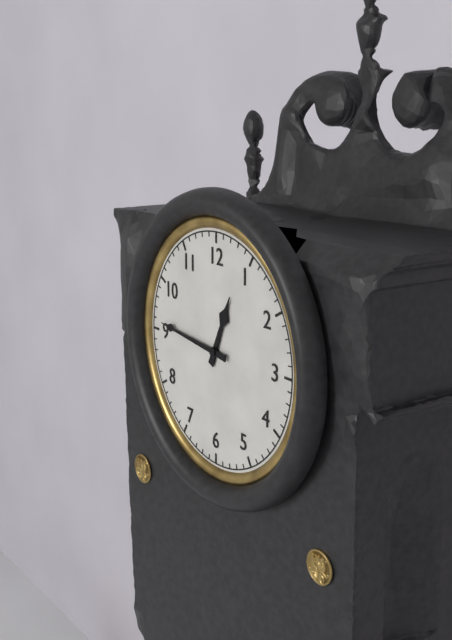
12,46
